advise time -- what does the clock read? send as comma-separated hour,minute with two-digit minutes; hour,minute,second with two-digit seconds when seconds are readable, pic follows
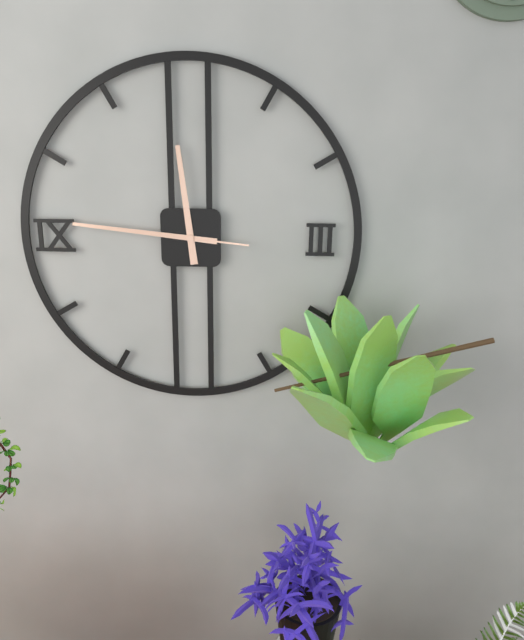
11,46,46
